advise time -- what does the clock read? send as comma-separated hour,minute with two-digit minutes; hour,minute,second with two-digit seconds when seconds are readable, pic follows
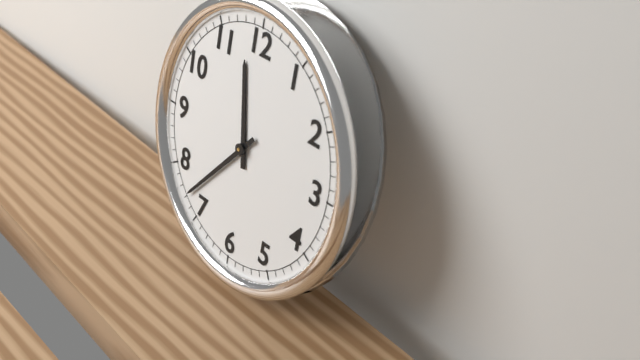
11,37
